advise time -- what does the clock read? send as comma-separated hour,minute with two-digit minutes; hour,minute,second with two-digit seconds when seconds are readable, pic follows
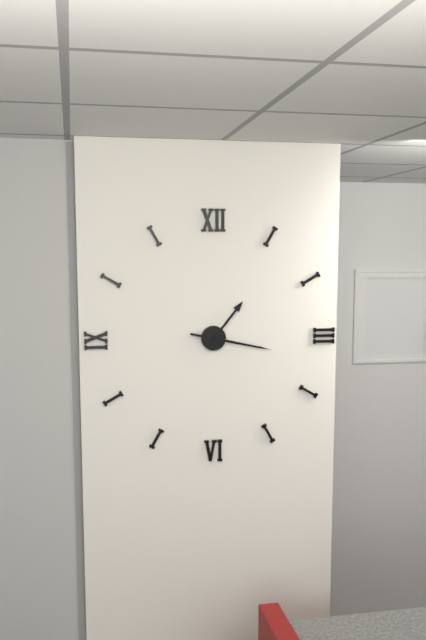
1,17
